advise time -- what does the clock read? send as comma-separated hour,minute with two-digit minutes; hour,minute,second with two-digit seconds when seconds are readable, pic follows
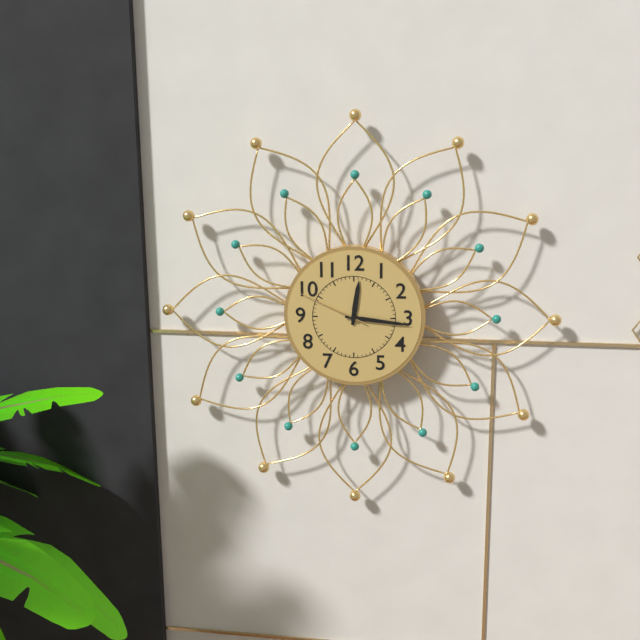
12,16,49
